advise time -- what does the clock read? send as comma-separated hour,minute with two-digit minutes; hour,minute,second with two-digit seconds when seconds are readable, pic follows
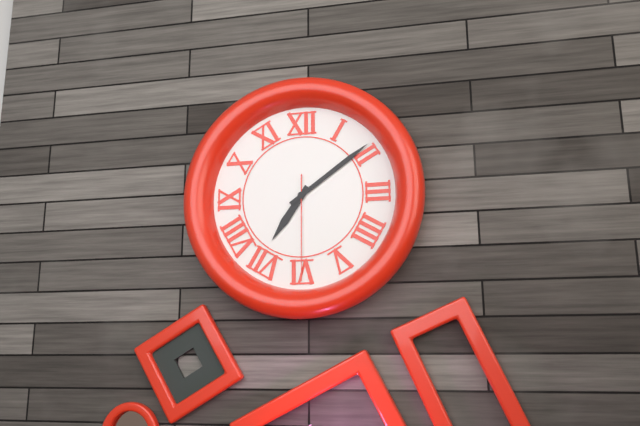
7,09,30
